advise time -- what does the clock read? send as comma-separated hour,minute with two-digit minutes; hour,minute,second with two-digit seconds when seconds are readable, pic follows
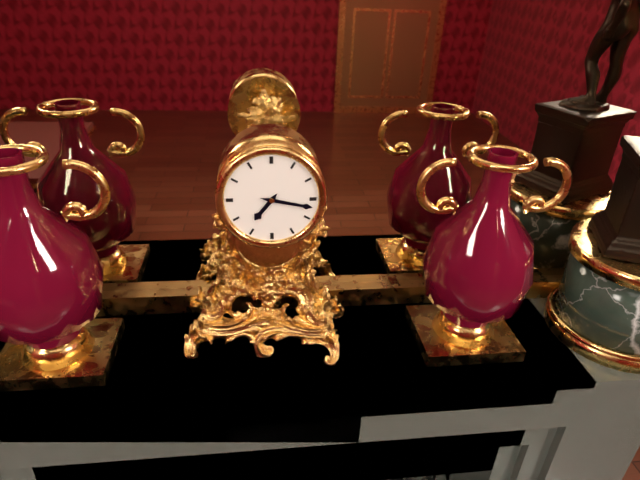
7,17
